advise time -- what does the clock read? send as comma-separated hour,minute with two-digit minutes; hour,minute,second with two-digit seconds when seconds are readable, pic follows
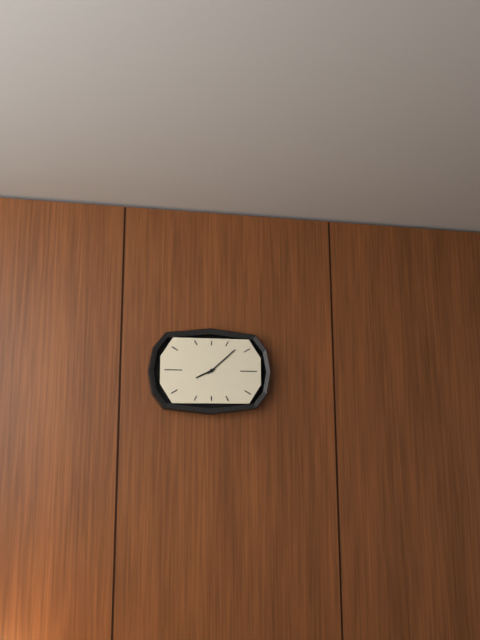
8,08
